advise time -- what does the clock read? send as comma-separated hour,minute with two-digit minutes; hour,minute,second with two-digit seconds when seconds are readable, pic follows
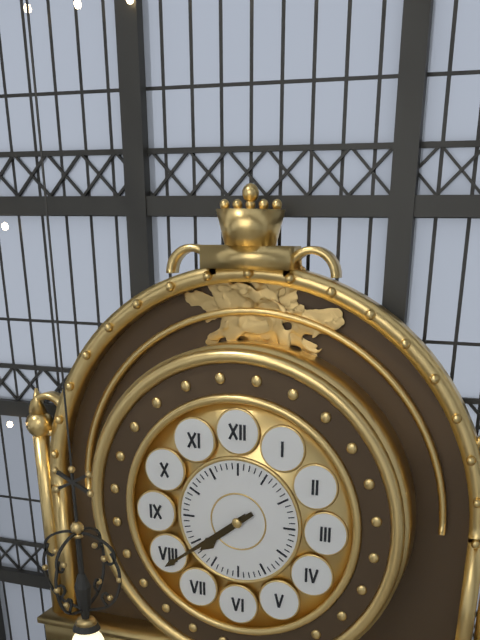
7,39
